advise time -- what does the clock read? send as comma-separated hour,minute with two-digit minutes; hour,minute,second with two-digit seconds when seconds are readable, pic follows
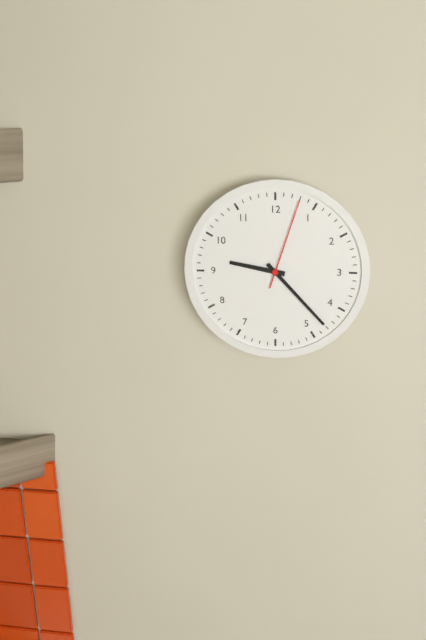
9,23,03
